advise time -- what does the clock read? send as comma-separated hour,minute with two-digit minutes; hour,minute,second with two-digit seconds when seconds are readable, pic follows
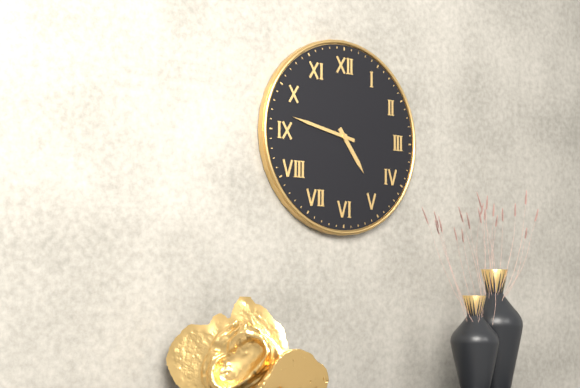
4,47
